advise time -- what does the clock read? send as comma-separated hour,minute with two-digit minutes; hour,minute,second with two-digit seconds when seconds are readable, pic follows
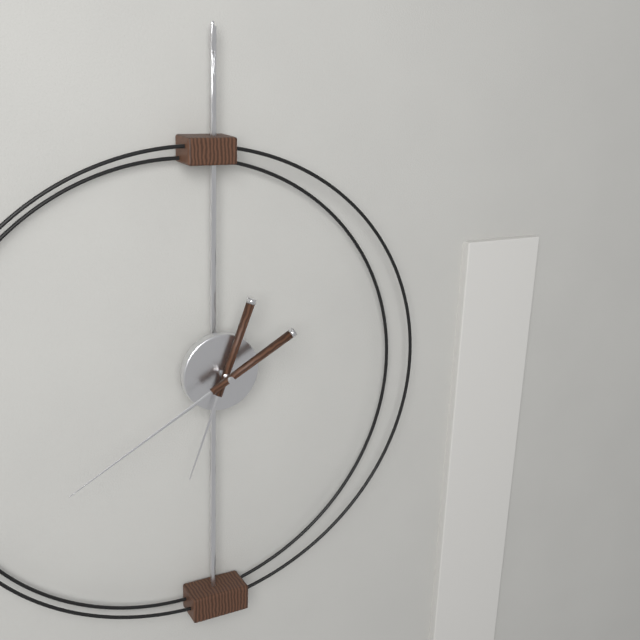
6,40
